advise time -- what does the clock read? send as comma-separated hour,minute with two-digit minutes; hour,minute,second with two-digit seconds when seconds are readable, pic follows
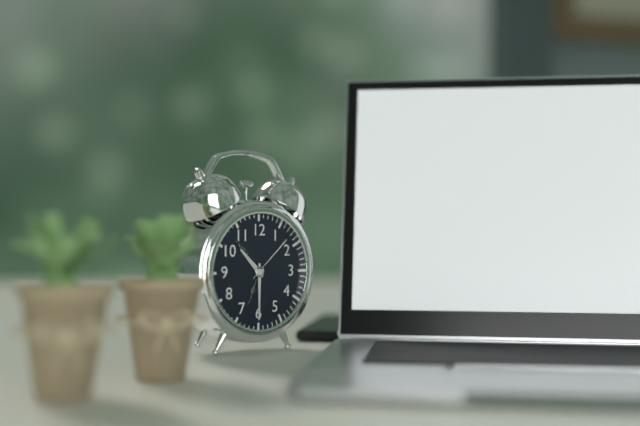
10,30
